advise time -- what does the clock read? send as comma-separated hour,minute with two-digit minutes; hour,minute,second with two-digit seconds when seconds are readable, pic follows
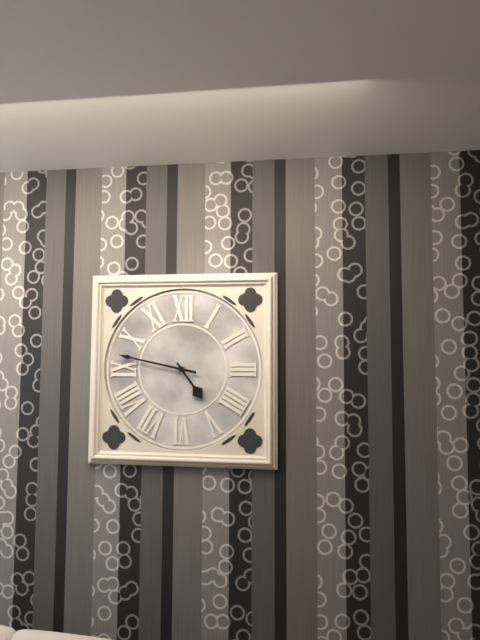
4,47
